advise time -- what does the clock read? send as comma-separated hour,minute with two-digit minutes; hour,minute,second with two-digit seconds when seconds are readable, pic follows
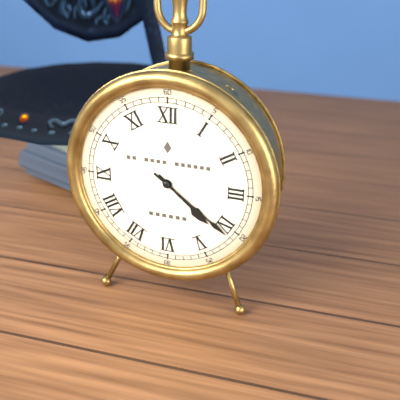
4,21
